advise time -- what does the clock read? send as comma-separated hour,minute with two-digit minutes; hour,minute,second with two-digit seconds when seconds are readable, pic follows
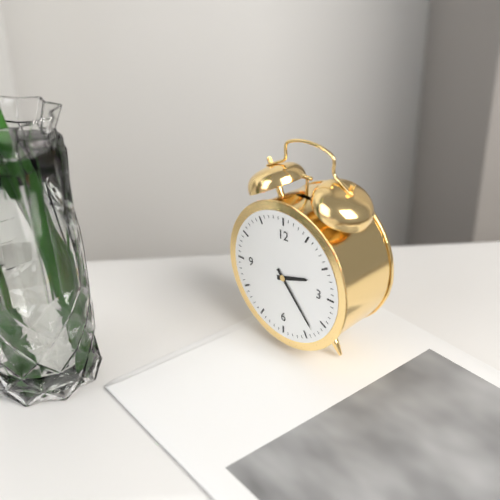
2,23
